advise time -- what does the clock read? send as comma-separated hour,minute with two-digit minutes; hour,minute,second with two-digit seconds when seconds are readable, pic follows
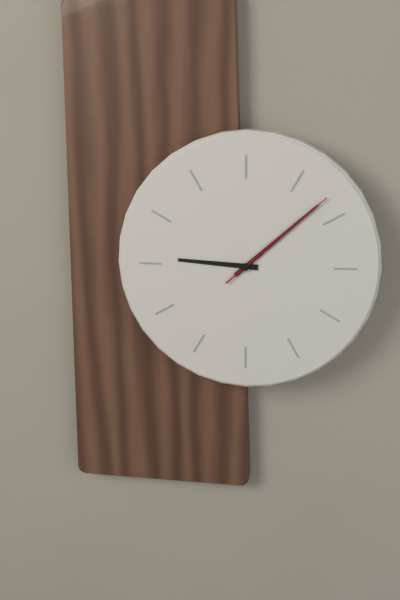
9,08,08
